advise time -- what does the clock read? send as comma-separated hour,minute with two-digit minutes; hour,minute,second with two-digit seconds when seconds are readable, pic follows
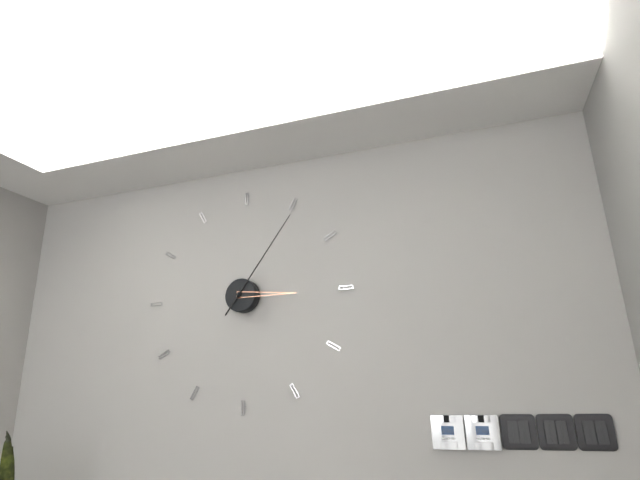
3,06
